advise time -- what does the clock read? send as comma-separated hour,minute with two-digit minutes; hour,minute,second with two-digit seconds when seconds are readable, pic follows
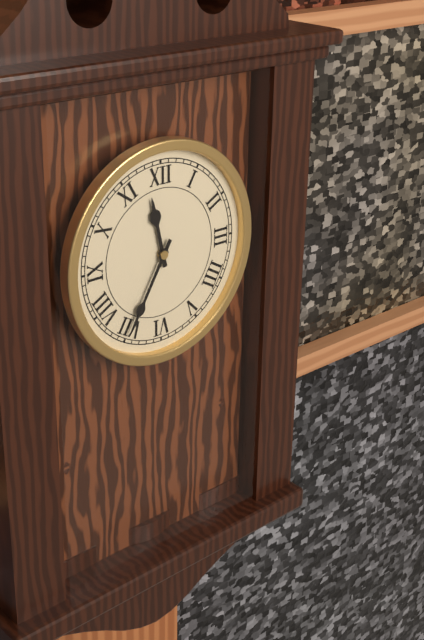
11,35
